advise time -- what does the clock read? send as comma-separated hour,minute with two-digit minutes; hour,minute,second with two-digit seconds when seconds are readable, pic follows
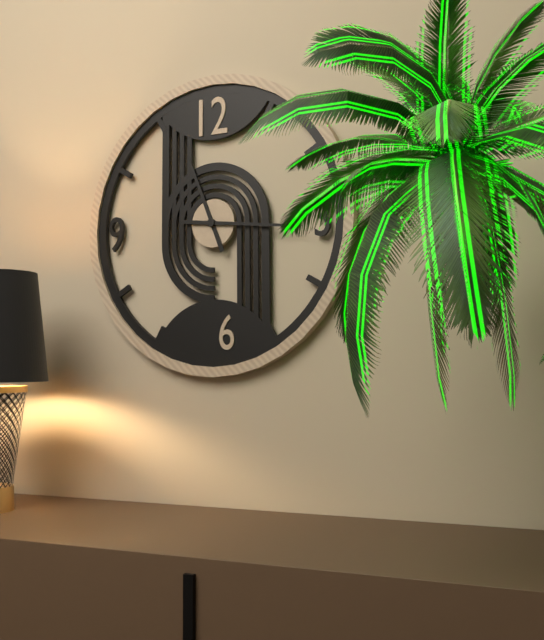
11,16
